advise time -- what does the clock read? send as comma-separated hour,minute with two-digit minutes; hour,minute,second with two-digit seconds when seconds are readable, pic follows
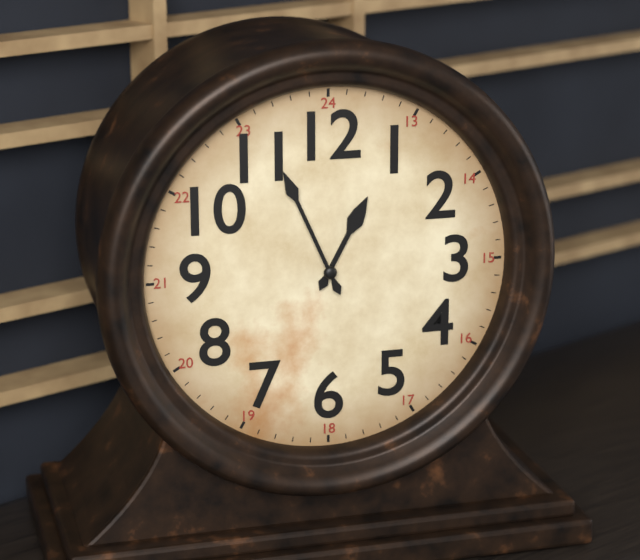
12,56
